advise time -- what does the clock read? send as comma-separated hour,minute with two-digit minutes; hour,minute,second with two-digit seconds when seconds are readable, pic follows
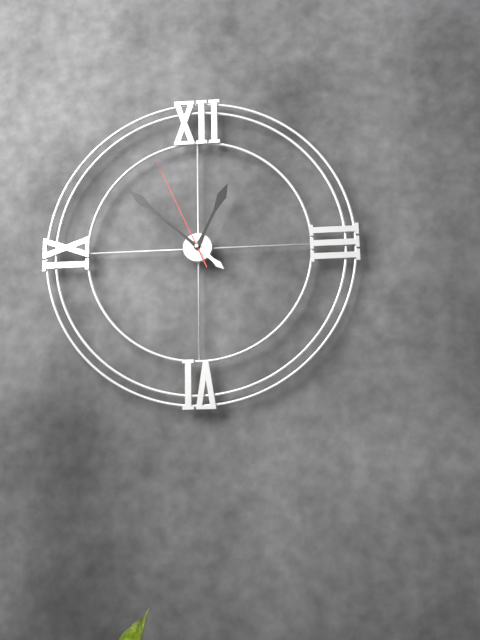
12,52,56
